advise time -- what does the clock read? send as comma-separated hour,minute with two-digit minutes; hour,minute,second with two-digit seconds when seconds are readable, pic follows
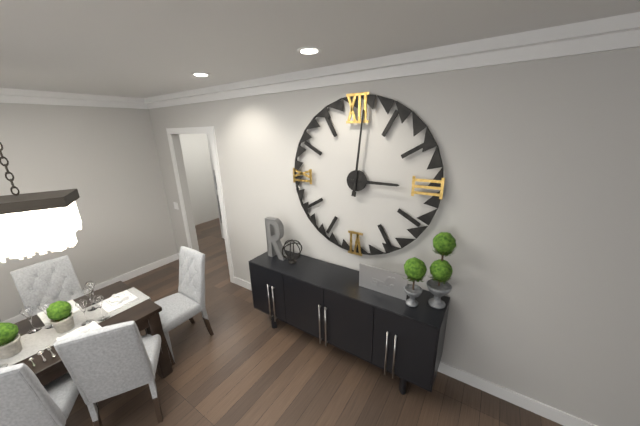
3,01
